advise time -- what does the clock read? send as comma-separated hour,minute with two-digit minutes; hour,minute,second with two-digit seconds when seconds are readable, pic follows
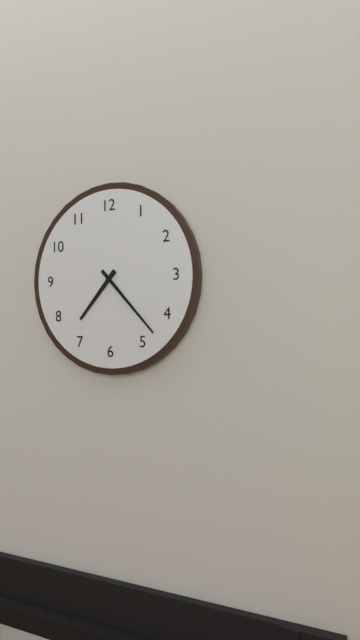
7,23
